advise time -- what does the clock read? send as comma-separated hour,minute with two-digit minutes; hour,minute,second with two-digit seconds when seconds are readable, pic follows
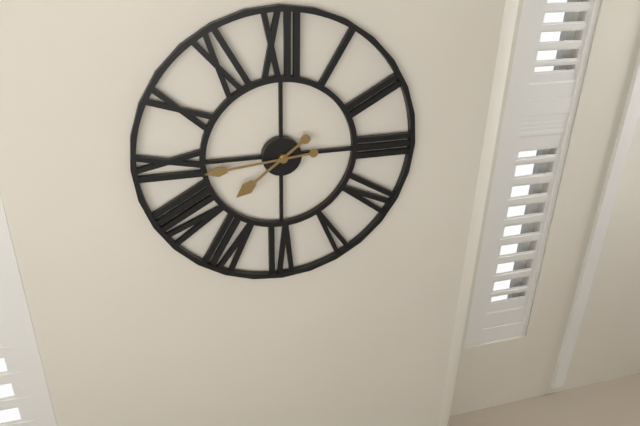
7,44
